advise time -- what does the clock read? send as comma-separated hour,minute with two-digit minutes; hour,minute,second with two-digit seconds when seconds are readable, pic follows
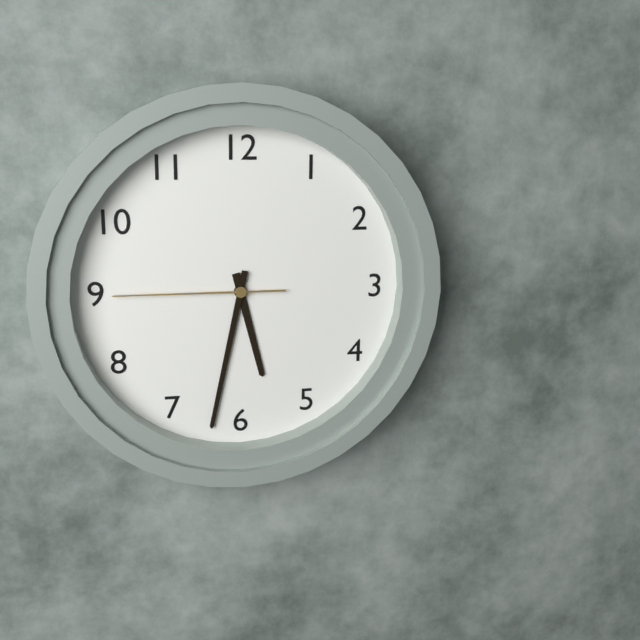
5,32,45
